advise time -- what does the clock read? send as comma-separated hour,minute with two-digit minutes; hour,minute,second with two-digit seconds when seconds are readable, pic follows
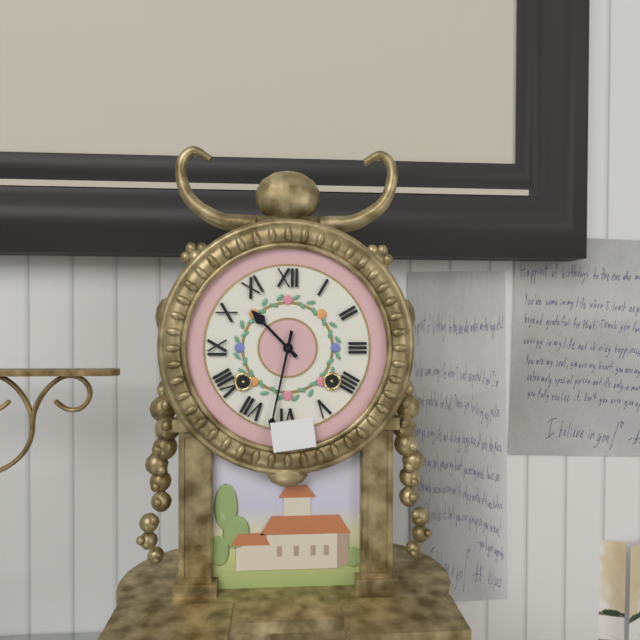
10,32
